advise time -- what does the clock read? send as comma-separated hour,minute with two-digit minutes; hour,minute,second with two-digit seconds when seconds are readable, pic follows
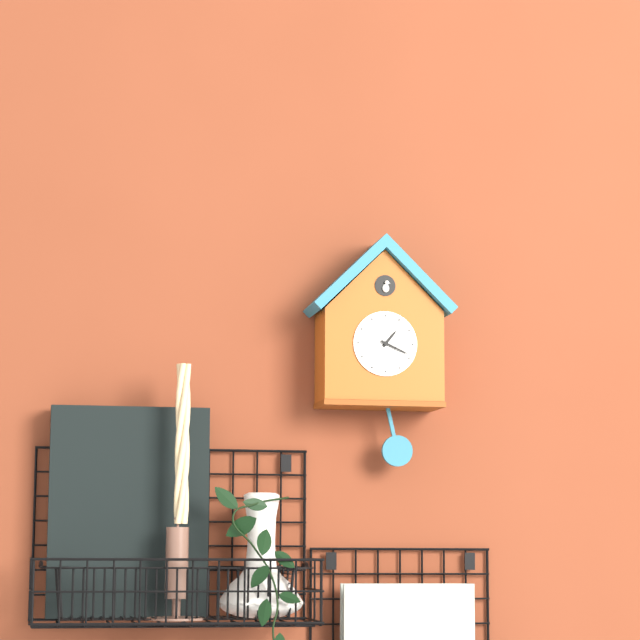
1,19
